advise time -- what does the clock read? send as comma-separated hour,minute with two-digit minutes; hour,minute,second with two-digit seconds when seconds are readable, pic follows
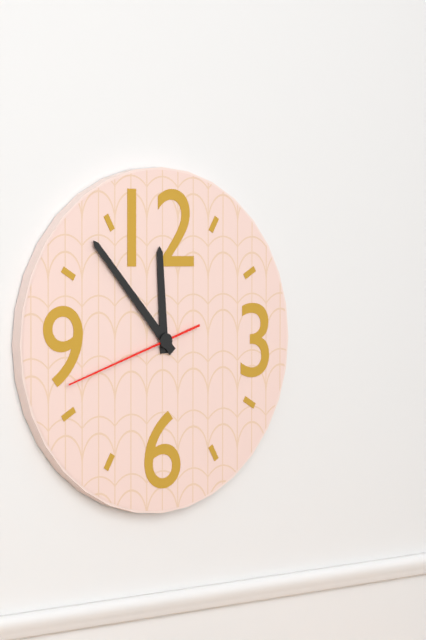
11,53,42
